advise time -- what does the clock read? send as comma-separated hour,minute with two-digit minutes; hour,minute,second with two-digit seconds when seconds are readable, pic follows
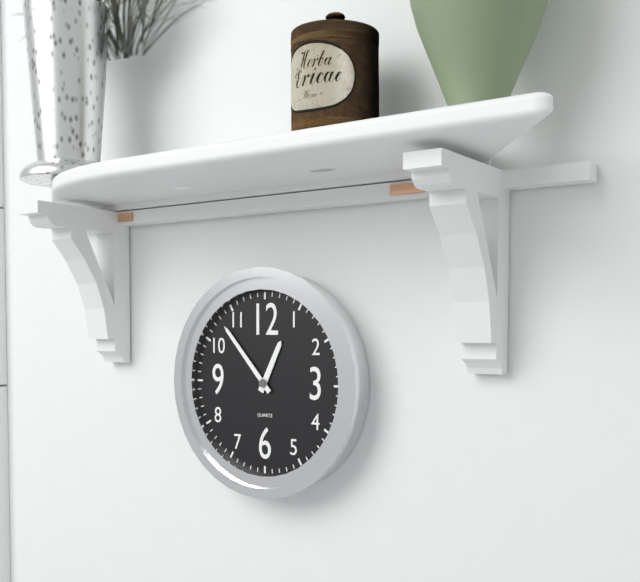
12,53
